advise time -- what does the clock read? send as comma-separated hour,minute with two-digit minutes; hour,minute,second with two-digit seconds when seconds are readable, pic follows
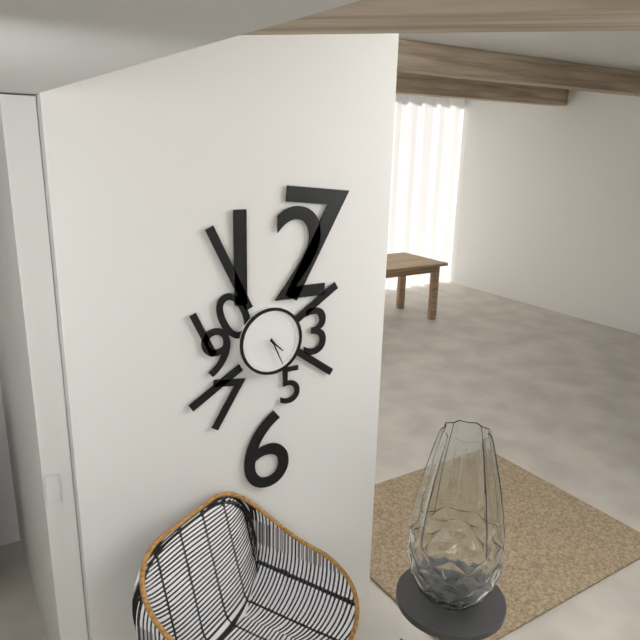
4,26
